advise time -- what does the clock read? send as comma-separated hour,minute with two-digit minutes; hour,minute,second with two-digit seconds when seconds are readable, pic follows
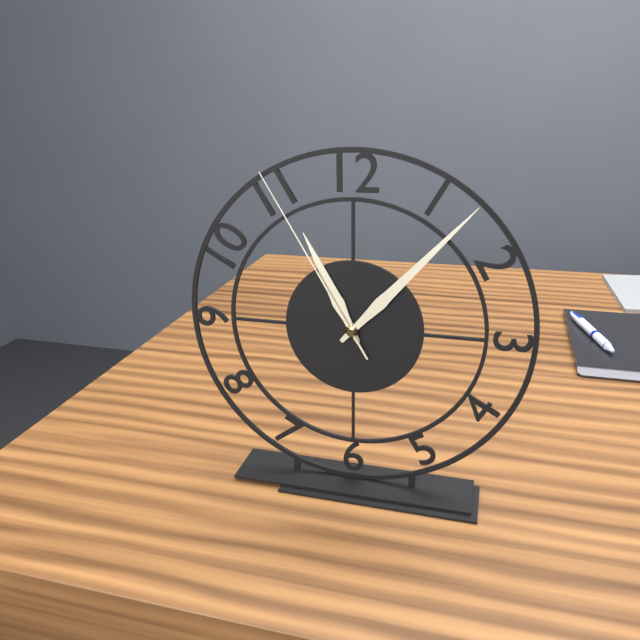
11,07,55
